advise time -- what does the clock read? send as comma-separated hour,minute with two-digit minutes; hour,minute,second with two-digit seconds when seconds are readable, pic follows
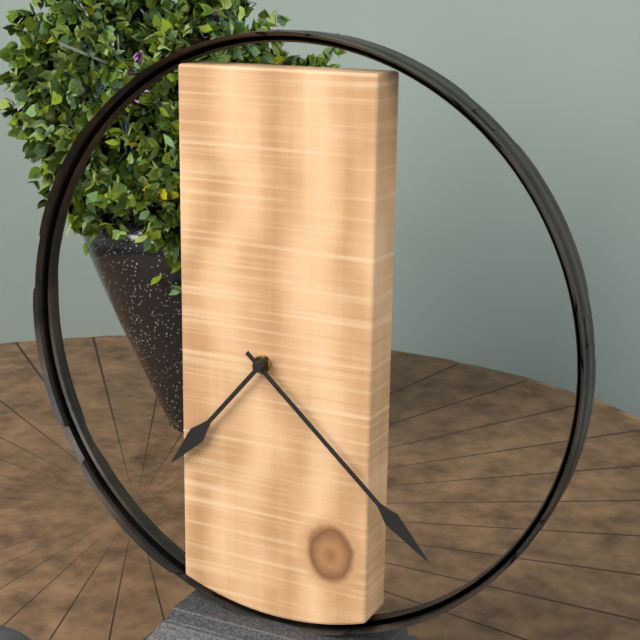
7,22
